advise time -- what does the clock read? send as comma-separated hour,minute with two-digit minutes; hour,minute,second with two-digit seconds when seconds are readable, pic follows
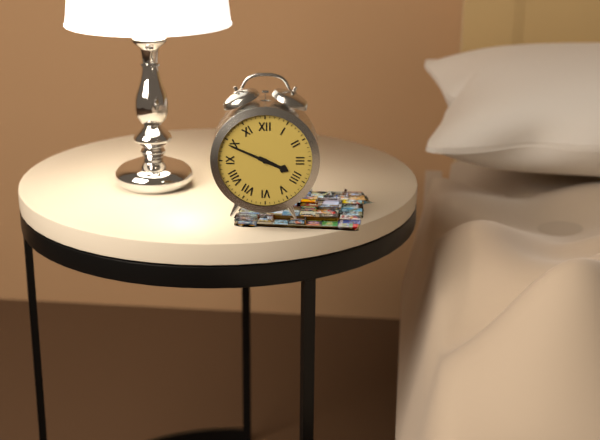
3,49
